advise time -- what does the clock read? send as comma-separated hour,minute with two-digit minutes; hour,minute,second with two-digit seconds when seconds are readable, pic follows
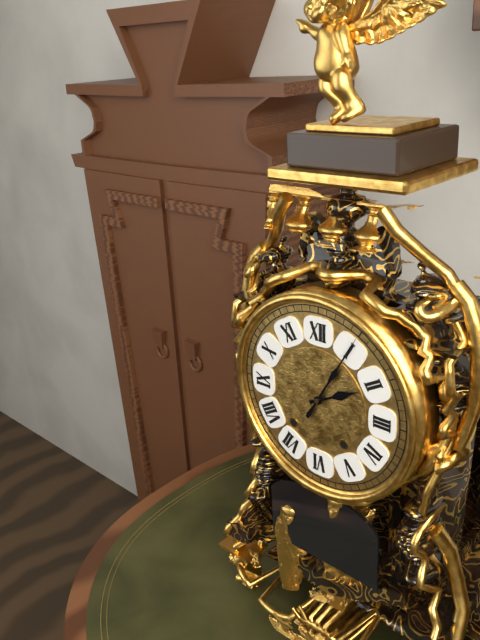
2,05
